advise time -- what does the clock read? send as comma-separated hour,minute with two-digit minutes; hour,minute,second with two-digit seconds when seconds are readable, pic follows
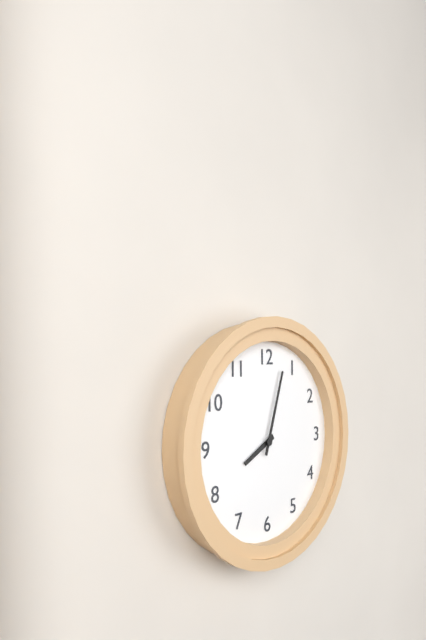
8,03
